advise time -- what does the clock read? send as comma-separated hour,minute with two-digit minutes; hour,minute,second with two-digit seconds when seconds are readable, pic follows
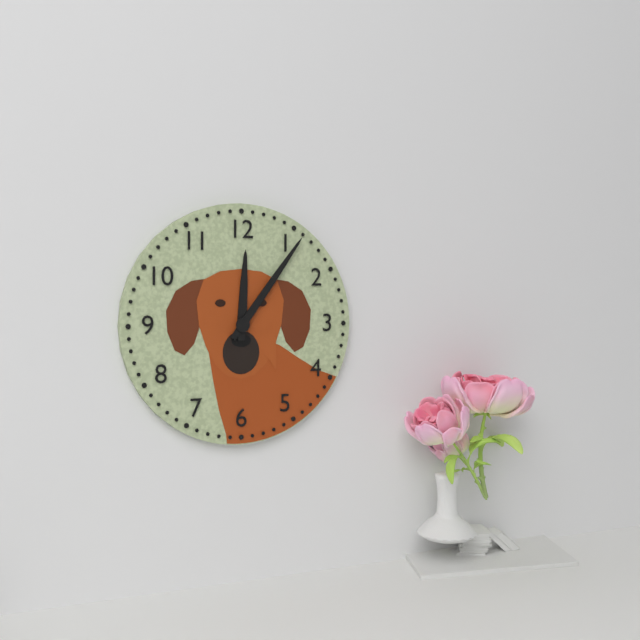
12,06
